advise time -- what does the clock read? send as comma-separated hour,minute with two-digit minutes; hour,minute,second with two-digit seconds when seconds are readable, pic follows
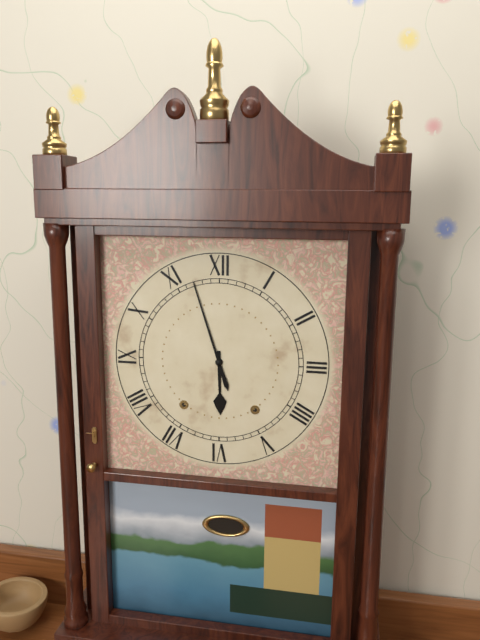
5,57
